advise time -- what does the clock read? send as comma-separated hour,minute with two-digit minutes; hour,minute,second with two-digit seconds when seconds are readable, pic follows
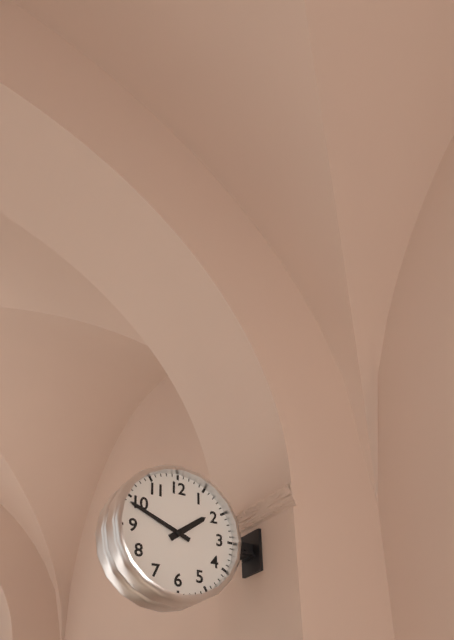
1,49
